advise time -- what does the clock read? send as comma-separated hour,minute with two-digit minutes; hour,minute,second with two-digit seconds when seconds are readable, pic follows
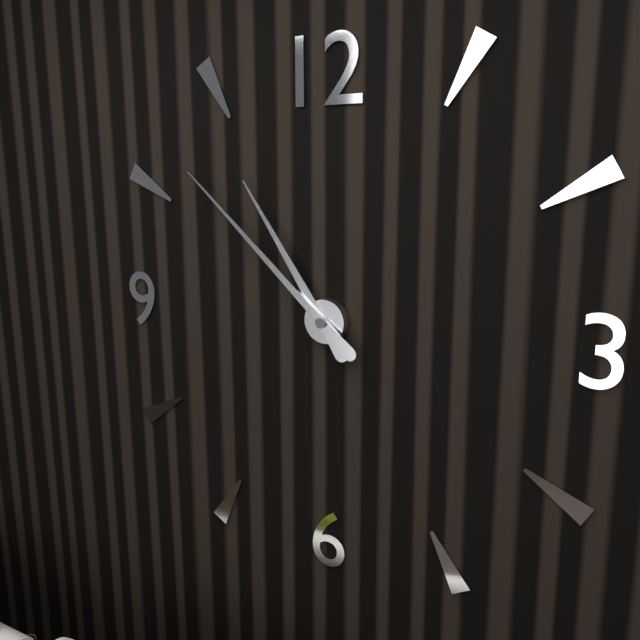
10,52
